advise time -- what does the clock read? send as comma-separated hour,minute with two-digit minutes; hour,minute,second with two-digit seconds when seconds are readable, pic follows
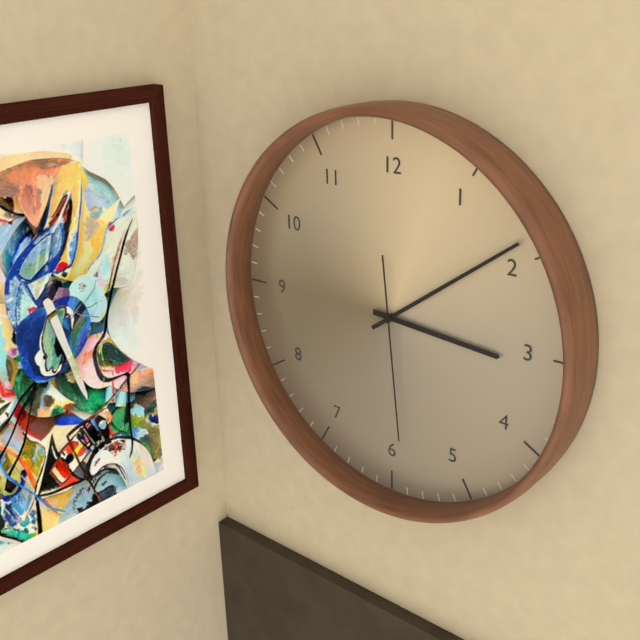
3,09,29
